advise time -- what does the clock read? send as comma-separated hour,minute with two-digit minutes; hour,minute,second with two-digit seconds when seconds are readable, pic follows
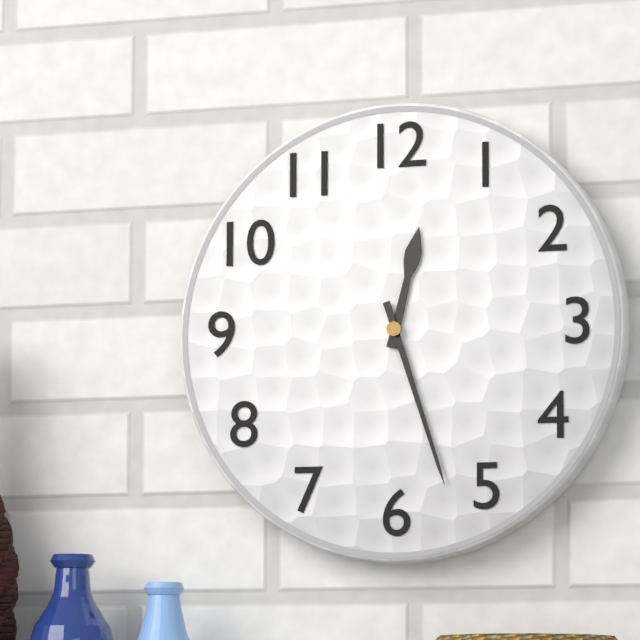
12,27
